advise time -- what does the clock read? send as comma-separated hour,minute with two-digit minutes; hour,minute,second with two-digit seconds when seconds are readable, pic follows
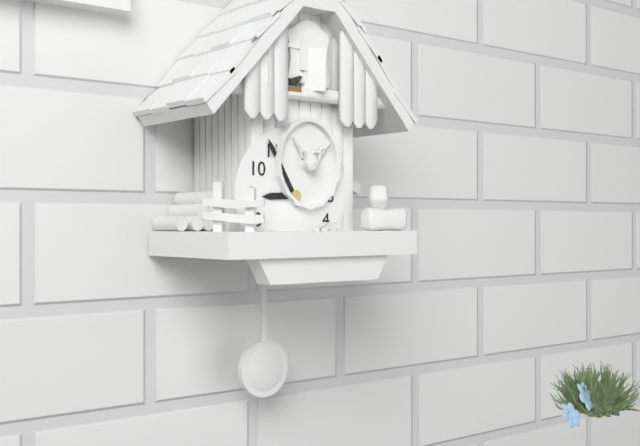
8,55
